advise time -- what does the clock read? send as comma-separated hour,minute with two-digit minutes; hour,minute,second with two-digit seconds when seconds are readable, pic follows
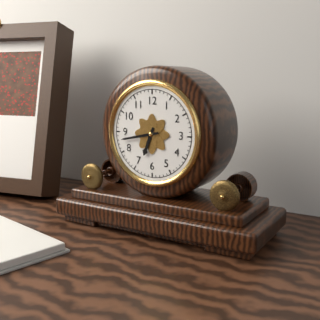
6,43
